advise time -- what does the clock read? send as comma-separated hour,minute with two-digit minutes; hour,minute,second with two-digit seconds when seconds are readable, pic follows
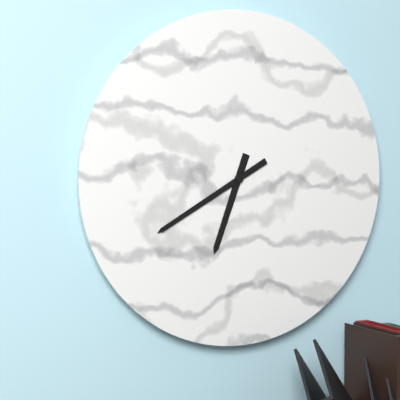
6,40
